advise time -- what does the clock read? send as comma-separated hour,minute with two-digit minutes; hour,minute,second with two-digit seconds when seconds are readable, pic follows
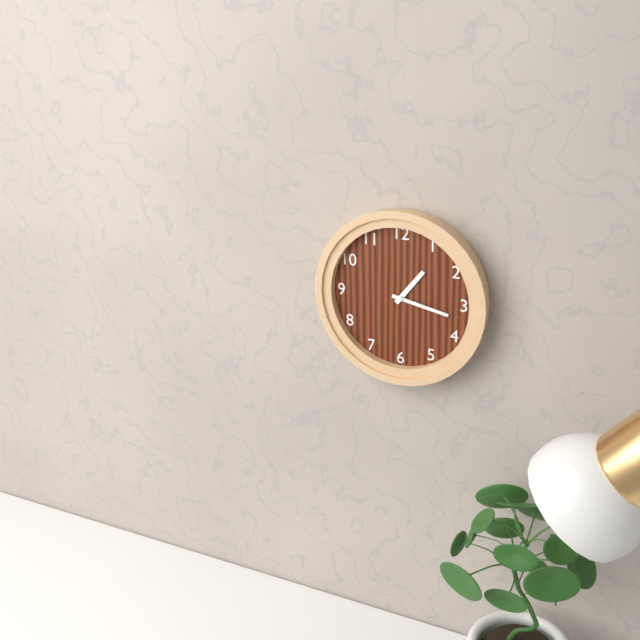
1,17
